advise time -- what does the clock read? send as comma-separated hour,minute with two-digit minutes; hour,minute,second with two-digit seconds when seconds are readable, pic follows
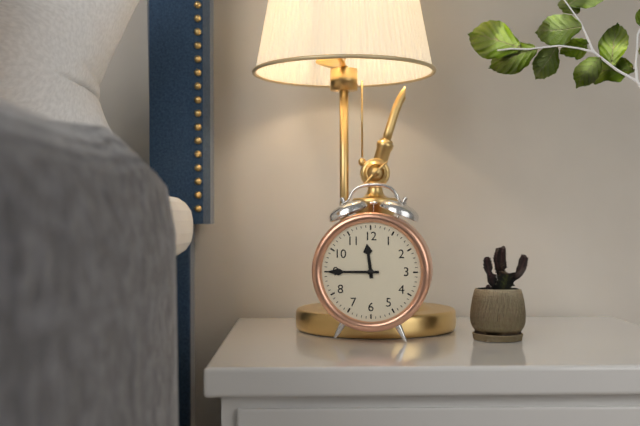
11,45
